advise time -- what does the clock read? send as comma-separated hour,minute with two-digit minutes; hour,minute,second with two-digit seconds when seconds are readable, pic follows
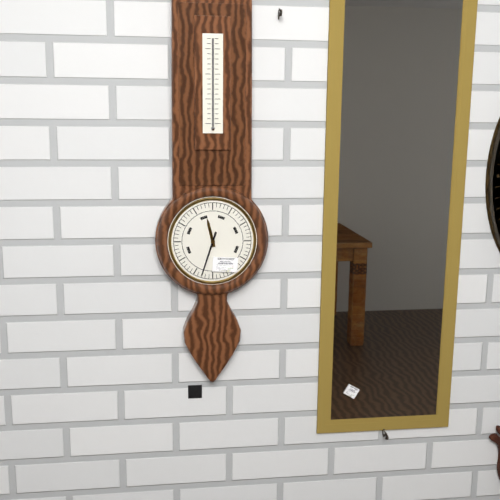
11,33
